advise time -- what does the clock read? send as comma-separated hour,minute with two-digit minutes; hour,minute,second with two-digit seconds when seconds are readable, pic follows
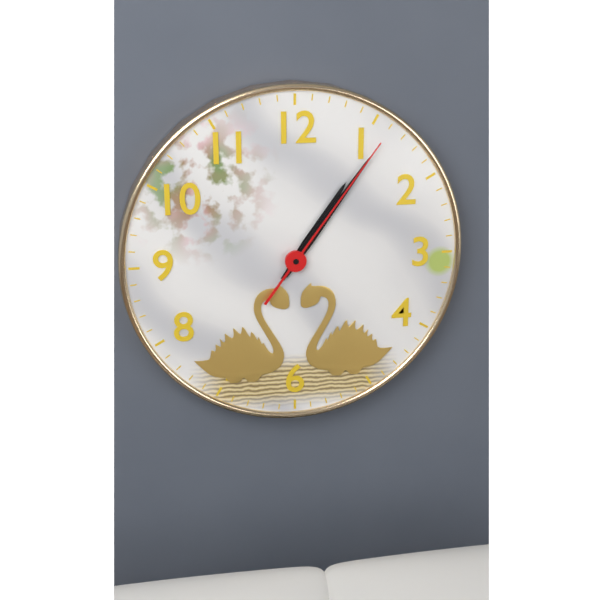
1,06,06
